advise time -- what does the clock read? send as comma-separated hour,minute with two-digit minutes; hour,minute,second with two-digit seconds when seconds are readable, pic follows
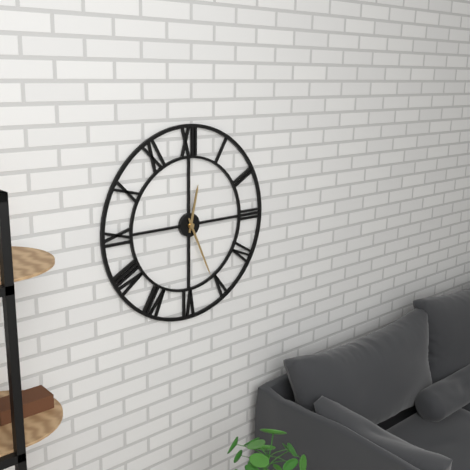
12,26
